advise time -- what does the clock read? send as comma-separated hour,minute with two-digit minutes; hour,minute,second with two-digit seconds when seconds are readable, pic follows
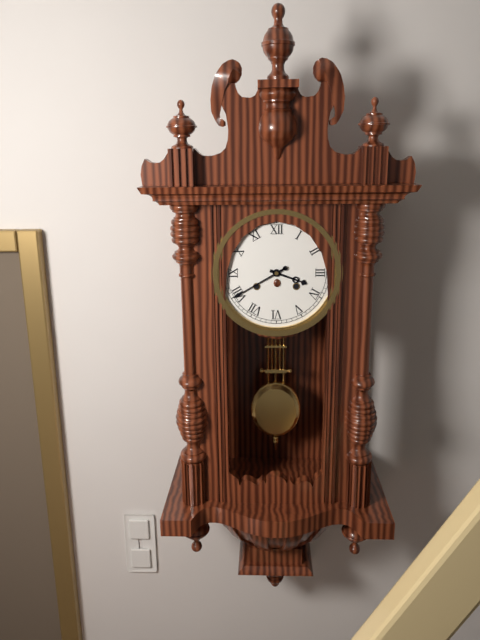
3,40
